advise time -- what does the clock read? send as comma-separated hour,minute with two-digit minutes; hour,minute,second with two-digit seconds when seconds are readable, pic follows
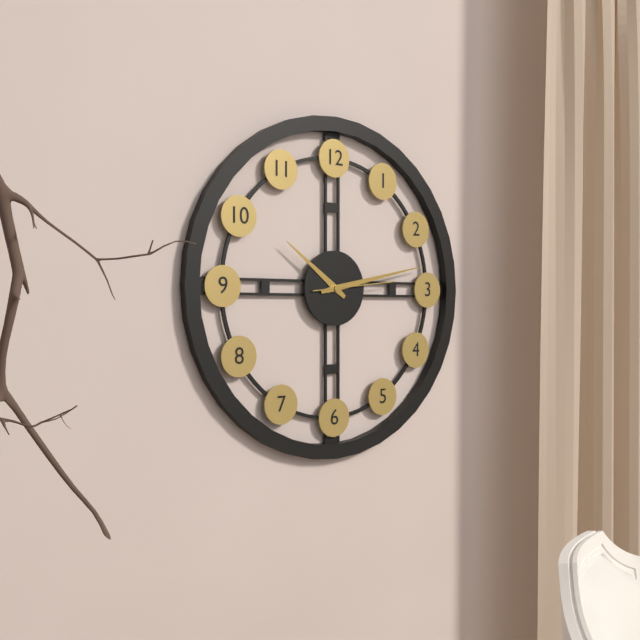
10,13,14
